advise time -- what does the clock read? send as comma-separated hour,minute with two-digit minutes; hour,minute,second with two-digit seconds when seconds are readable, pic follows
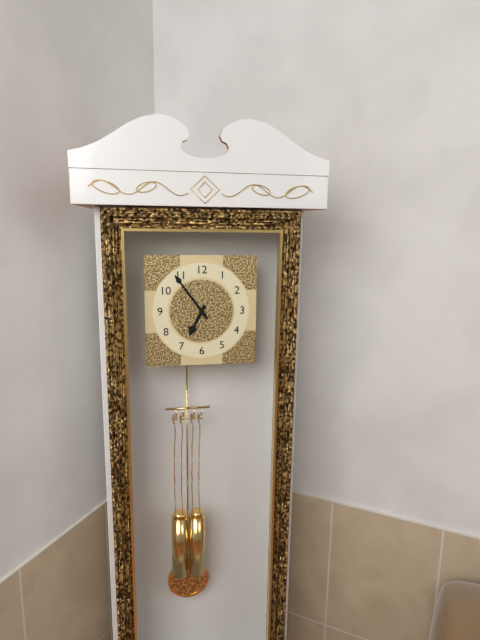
6,54
